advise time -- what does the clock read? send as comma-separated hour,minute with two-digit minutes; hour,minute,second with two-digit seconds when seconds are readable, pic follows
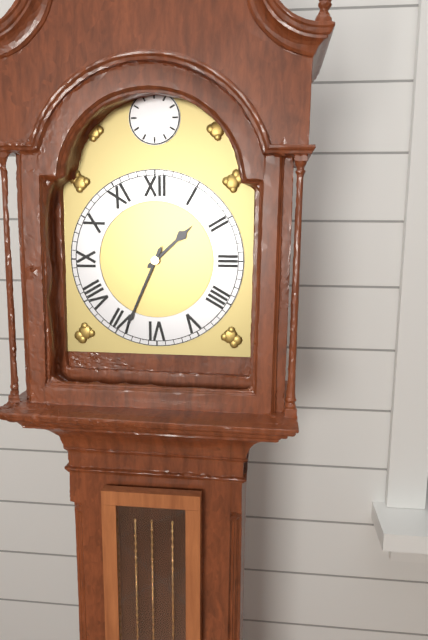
1,34
